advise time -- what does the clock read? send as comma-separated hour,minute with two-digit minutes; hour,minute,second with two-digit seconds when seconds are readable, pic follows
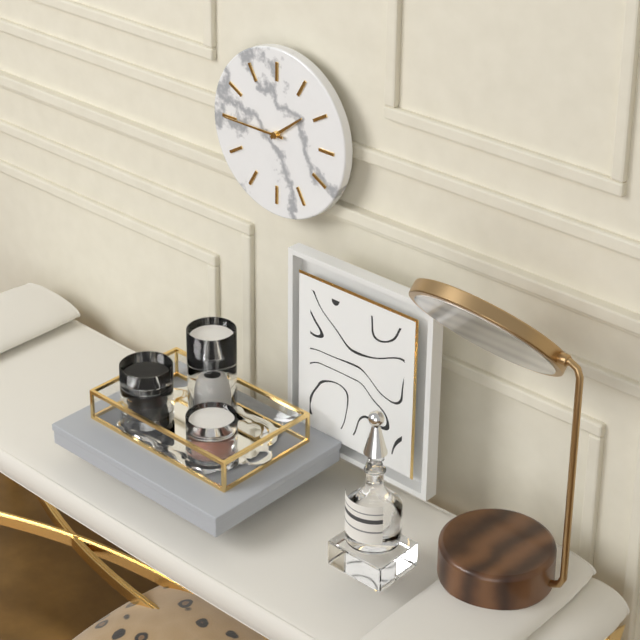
1,45
